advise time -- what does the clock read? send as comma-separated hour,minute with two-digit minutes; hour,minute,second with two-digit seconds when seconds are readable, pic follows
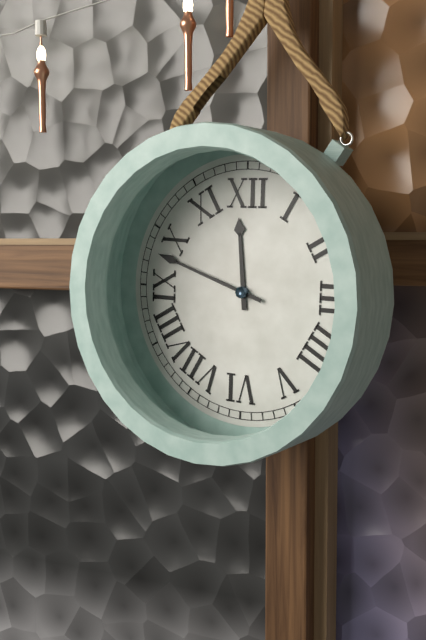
11,48
